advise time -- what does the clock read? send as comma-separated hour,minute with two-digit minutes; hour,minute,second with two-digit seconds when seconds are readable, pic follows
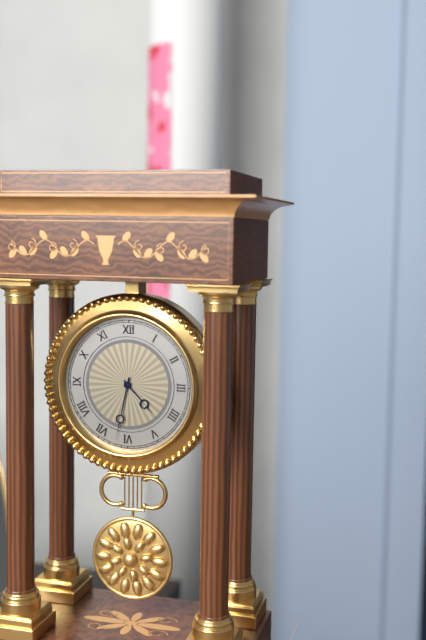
4,32
